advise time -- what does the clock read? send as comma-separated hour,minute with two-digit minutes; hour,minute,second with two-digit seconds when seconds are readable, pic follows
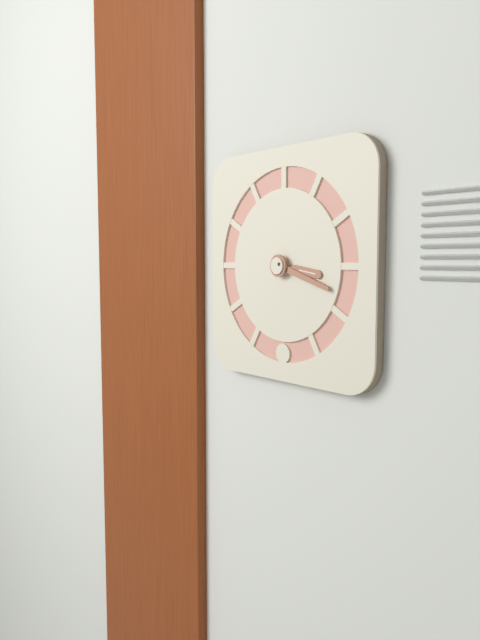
3,18
